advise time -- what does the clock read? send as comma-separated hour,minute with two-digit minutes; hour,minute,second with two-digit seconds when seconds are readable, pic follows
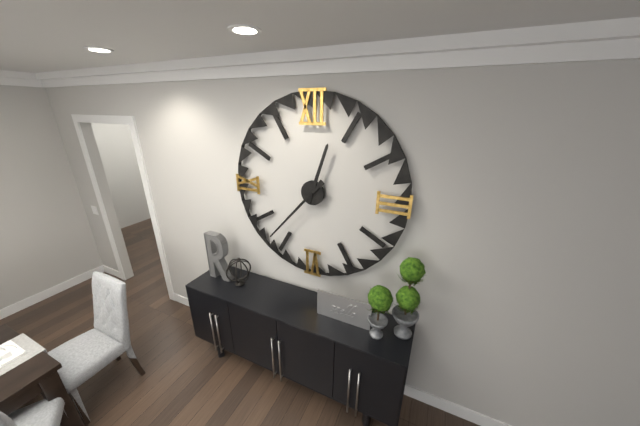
12,37
